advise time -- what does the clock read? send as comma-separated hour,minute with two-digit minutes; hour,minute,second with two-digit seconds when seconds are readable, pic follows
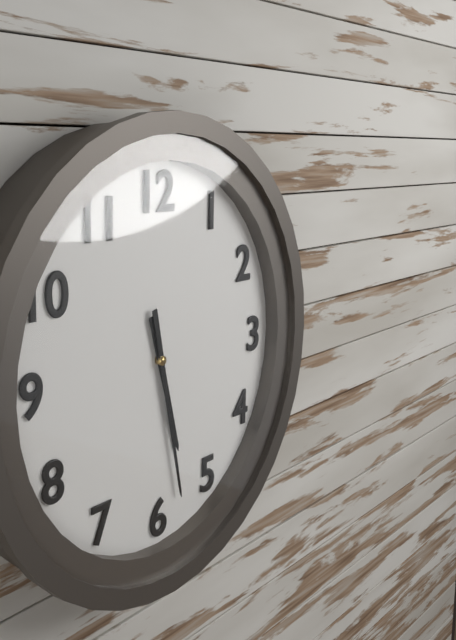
5,28
